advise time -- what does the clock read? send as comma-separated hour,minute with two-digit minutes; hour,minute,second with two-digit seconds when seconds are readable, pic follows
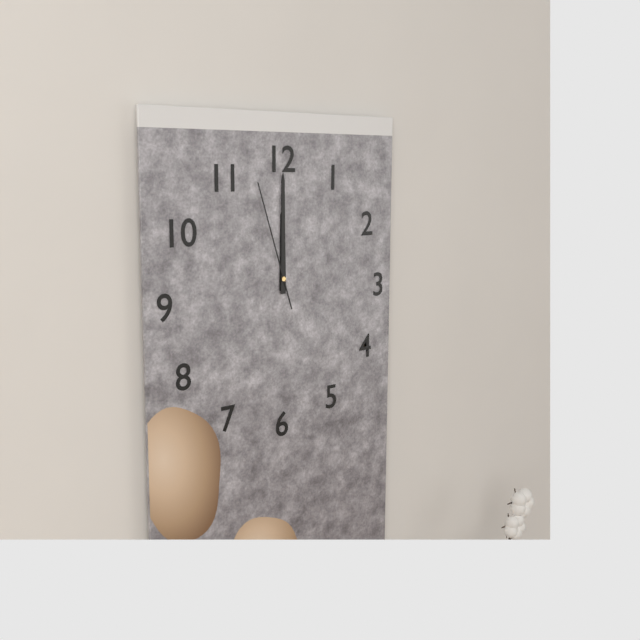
12,00,57
